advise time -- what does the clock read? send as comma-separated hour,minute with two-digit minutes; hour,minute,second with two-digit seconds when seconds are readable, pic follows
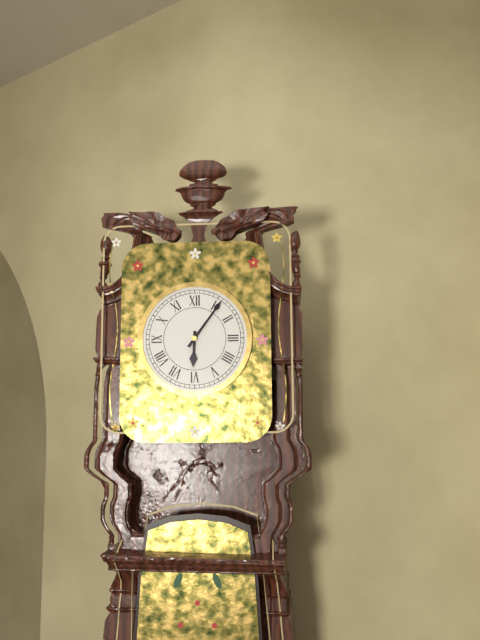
6,06
